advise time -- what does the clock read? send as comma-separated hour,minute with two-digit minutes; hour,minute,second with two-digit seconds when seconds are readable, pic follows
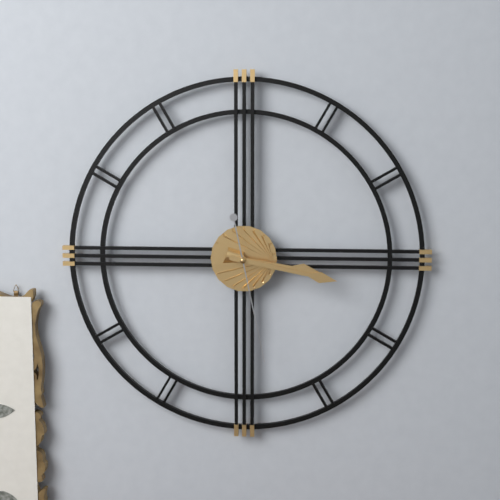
3,17,28
